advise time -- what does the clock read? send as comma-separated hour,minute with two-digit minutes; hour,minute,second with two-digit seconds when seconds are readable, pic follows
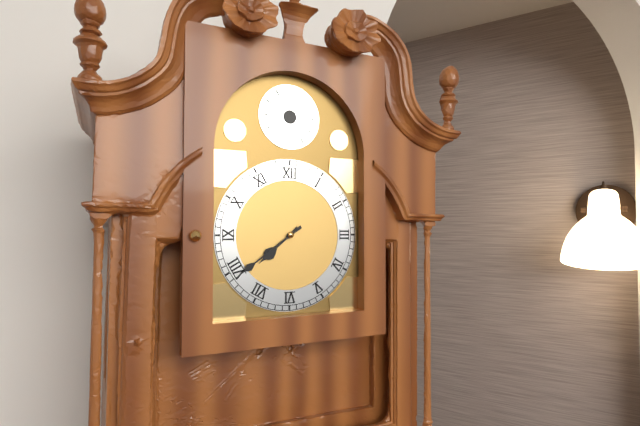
7,39
